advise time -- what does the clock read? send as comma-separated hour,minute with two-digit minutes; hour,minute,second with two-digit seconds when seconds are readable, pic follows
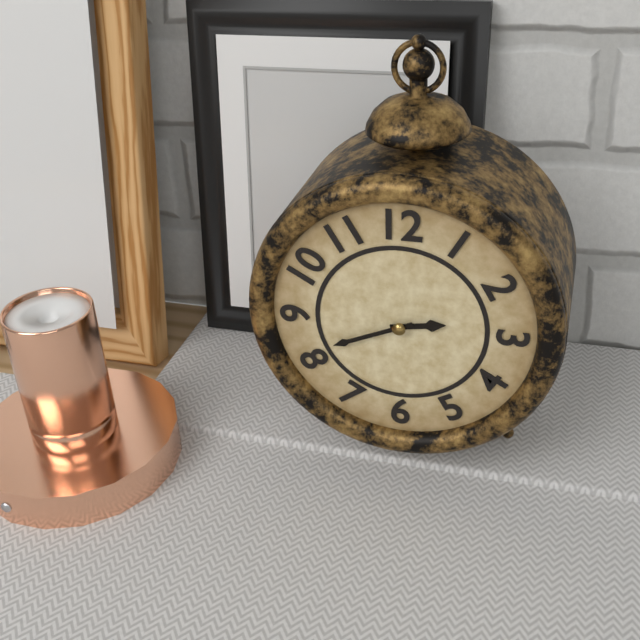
2,41
